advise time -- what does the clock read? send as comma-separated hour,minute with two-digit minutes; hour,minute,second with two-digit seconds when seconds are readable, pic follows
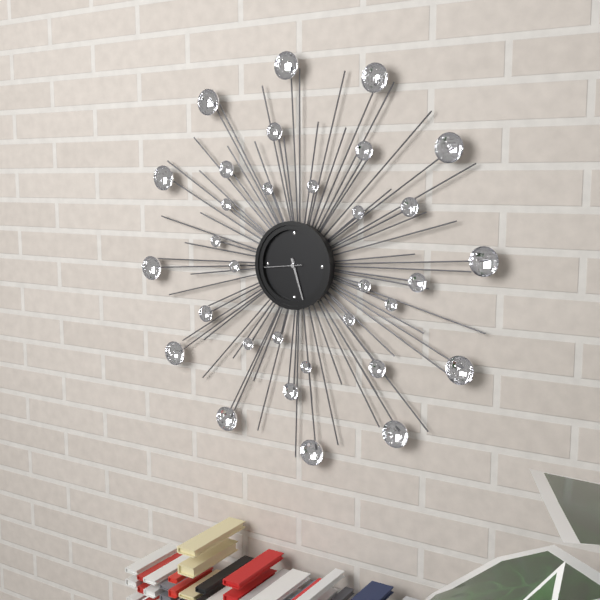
5,27
